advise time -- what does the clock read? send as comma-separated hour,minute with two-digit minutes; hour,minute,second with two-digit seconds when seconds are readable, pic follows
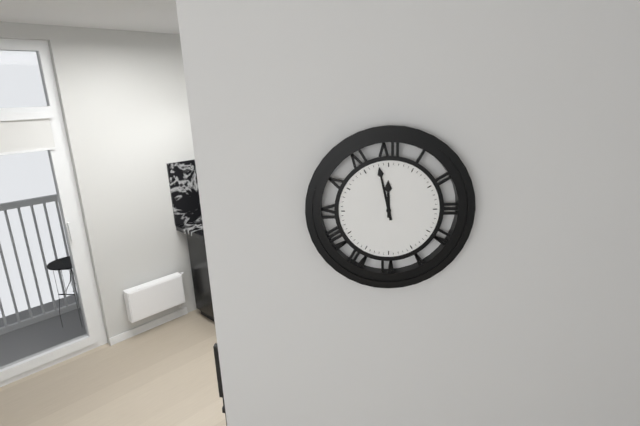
11,58
